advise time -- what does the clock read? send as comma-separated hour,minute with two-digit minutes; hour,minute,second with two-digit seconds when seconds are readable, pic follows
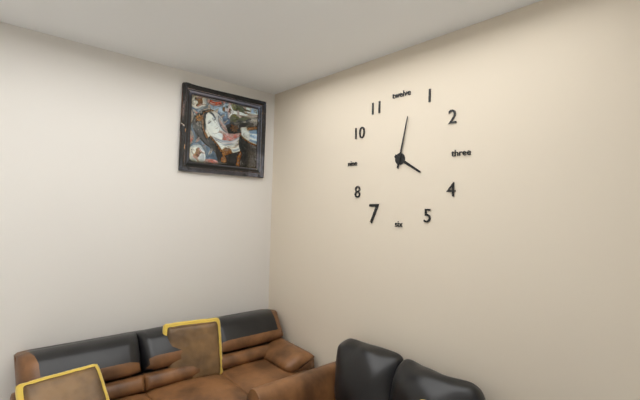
4,02
